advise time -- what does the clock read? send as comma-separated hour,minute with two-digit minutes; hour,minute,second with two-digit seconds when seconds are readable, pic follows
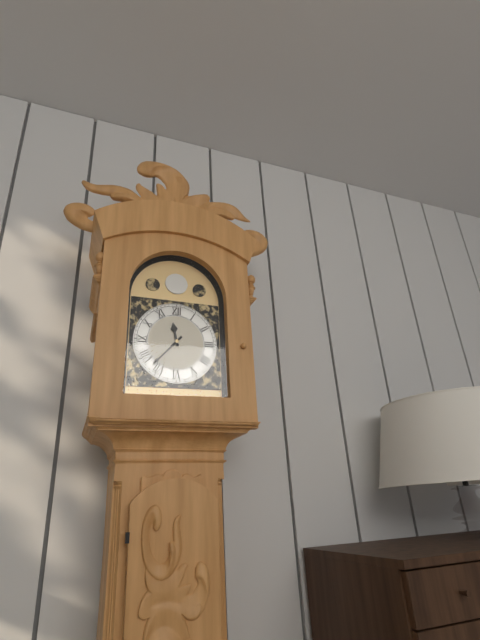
11,37
